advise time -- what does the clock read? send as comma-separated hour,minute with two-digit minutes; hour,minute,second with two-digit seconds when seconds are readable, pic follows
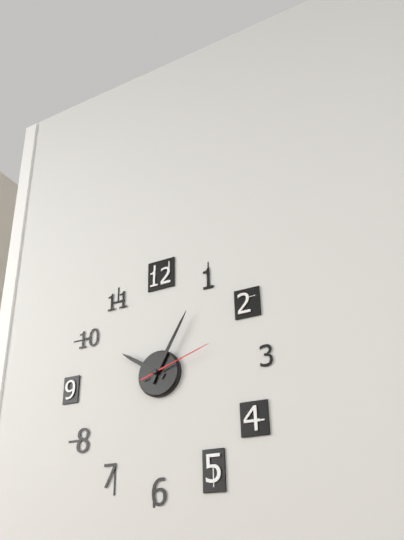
10,05,12
